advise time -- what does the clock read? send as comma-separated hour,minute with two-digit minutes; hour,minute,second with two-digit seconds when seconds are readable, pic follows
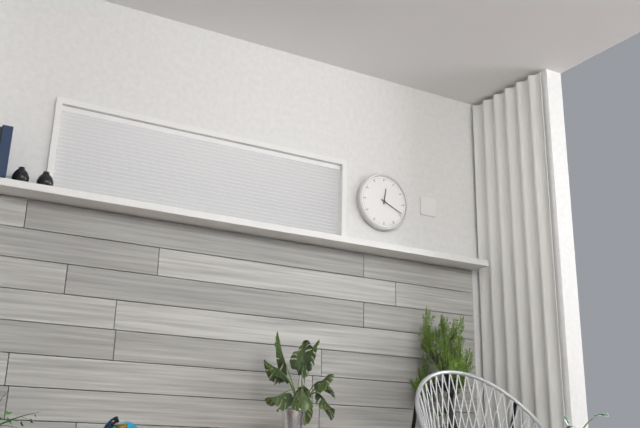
12,19
